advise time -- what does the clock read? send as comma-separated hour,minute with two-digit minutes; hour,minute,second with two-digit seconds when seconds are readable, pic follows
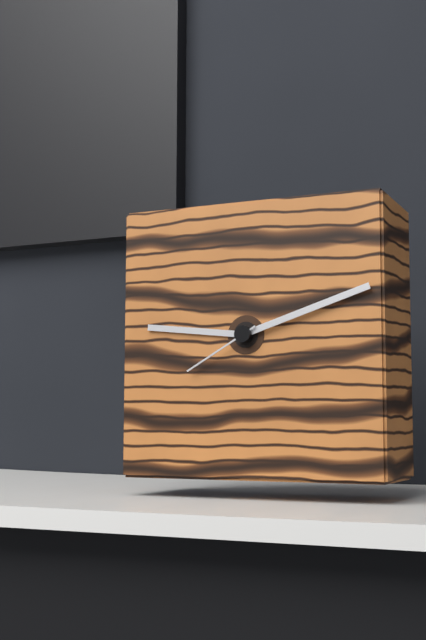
9,12,40
